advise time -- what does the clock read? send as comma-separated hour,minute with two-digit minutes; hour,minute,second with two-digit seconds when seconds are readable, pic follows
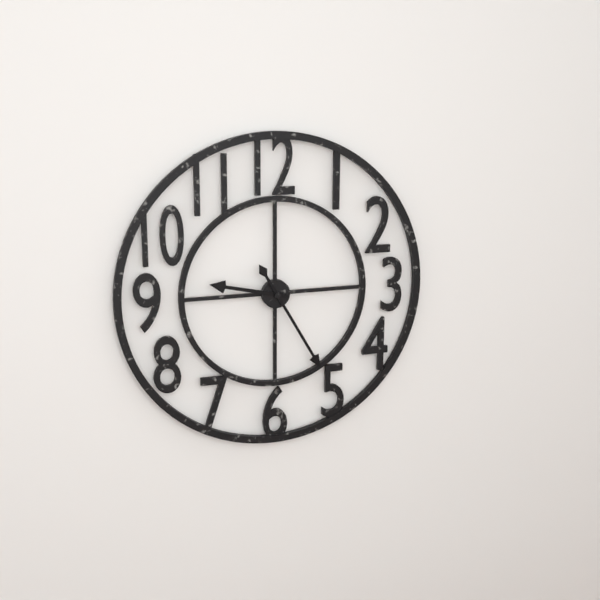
9,25
